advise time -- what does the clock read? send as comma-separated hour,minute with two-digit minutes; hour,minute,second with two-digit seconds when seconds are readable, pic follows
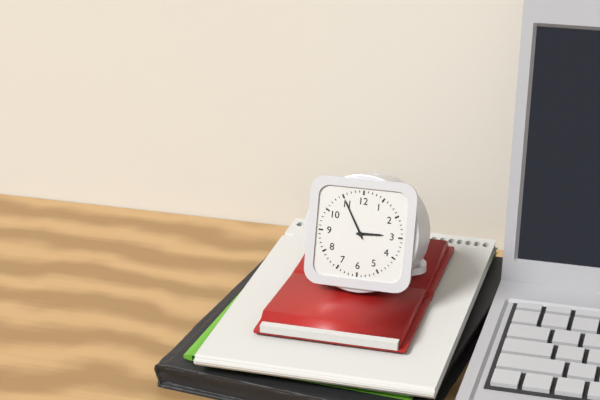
2,55
